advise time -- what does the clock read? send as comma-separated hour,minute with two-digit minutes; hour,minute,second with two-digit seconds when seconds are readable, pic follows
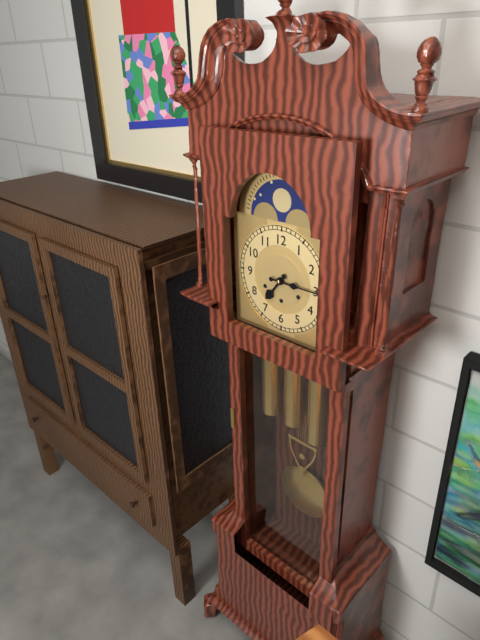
7,15
